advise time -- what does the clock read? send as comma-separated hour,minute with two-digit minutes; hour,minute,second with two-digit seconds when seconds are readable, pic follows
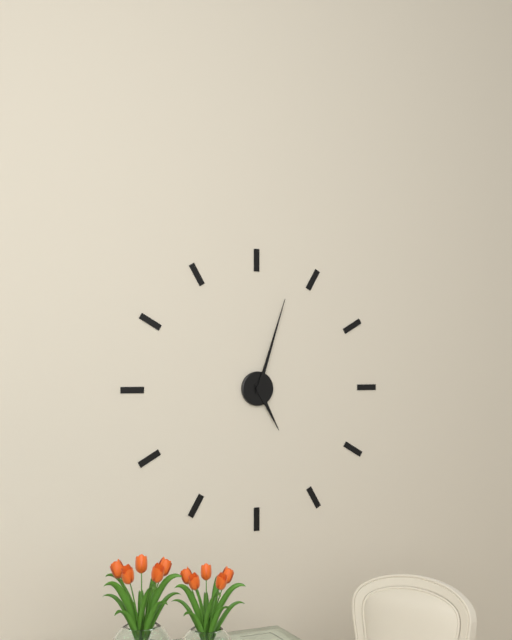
5,03
